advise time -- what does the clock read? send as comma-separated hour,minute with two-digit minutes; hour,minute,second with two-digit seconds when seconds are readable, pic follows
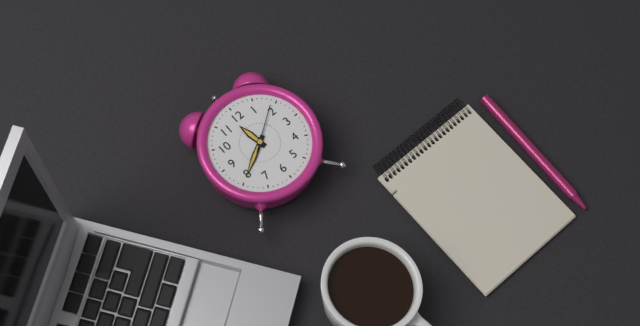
11,40
